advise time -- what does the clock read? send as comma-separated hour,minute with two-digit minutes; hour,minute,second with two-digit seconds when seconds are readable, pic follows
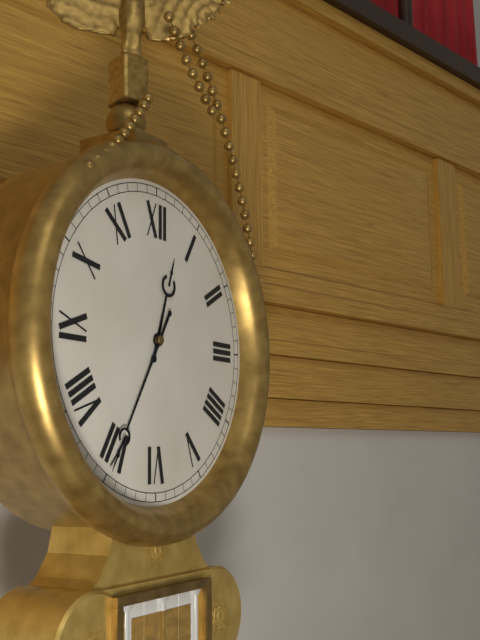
12,35
